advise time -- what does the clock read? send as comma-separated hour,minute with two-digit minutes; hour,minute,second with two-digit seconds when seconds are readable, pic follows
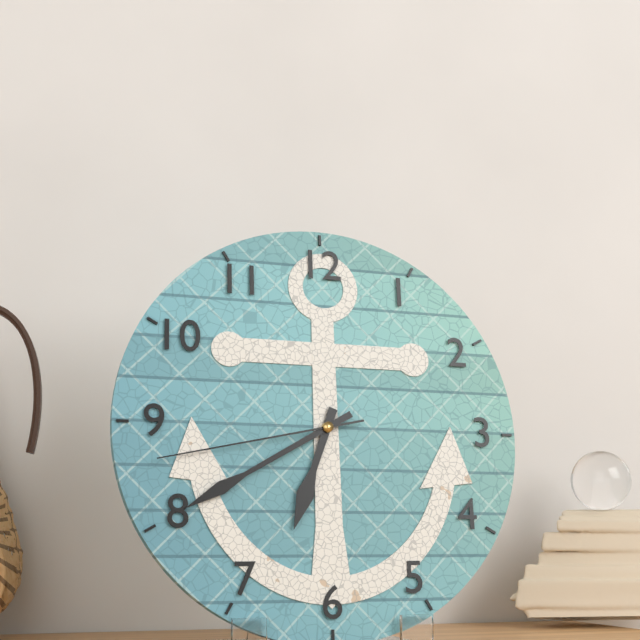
6,40,43
